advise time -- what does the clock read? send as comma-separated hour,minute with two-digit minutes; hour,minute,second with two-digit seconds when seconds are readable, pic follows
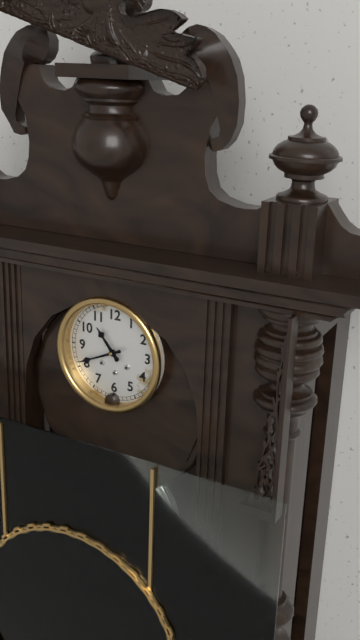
10,41
